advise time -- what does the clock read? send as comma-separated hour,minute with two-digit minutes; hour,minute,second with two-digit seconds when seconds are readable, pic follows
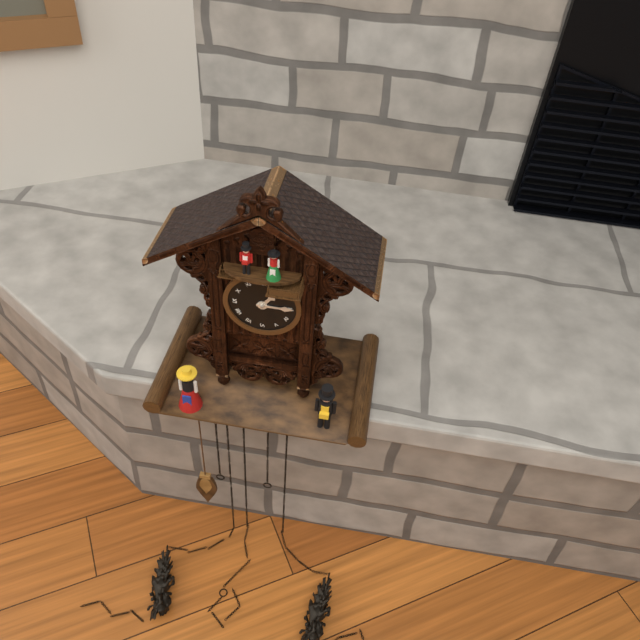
1,15
